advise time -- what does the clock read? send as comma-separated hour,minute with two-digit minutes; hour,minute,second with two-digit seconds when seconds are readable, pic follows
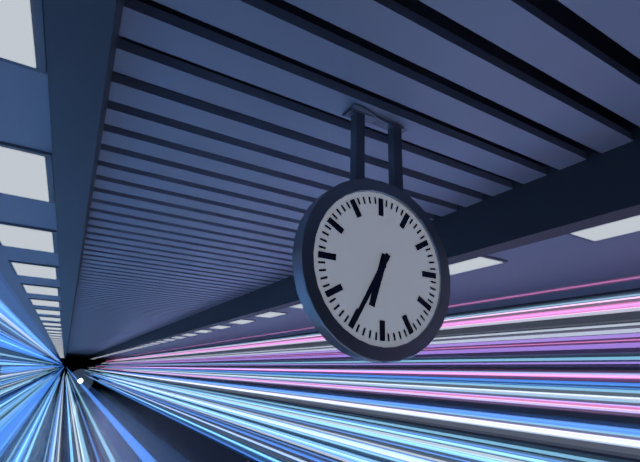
6,35
